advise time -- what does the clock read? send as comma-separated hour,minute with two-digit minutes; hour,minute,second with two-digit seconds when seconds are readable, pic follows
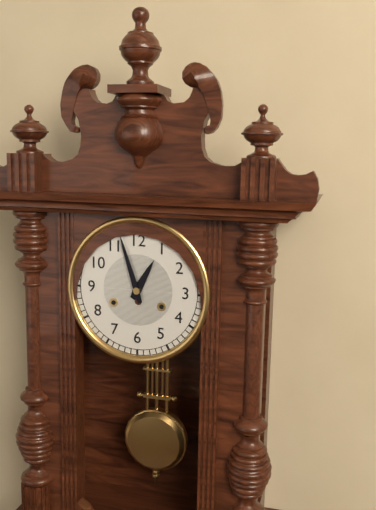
12,57
